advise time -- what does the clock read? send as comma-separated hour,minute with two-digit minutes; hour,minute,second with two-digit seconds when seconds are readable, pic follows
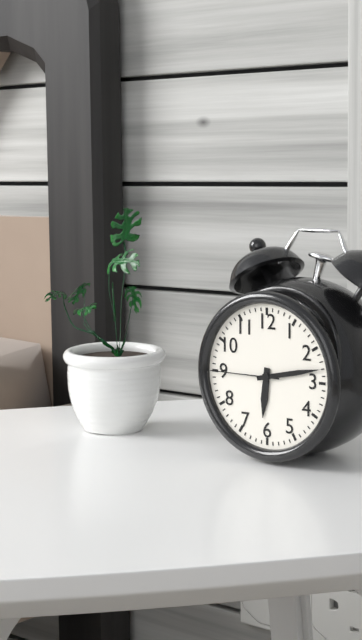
6,13,45
